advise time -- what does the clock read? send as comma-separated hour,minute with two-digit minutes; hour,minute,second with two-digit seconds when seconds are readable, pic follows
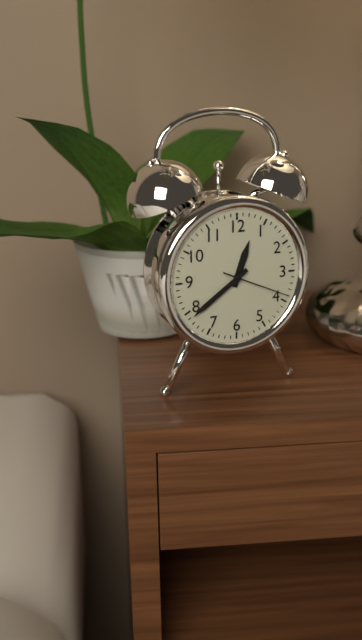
12,39,19
